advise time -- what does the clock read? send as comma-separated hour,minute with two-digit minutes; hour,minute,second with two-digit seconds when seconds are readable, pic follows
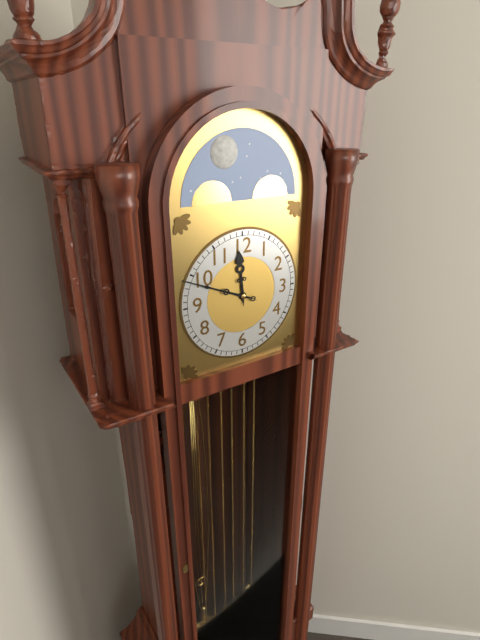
11,49
